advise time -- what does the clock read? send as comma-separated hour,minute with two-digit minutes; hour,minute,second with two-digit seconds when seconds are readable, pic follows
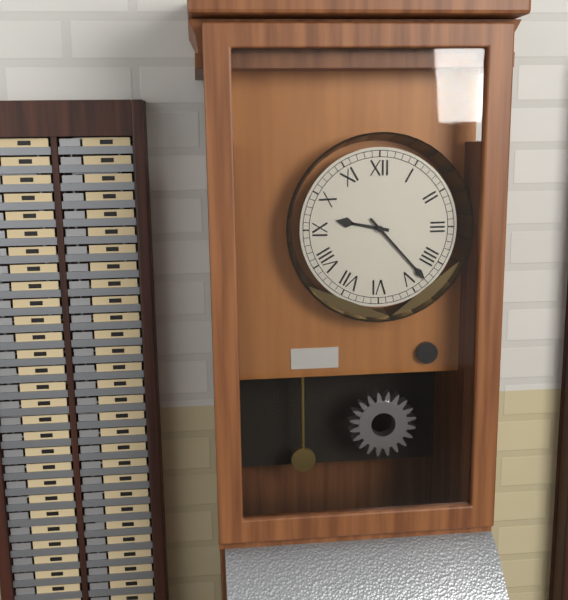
9,23
